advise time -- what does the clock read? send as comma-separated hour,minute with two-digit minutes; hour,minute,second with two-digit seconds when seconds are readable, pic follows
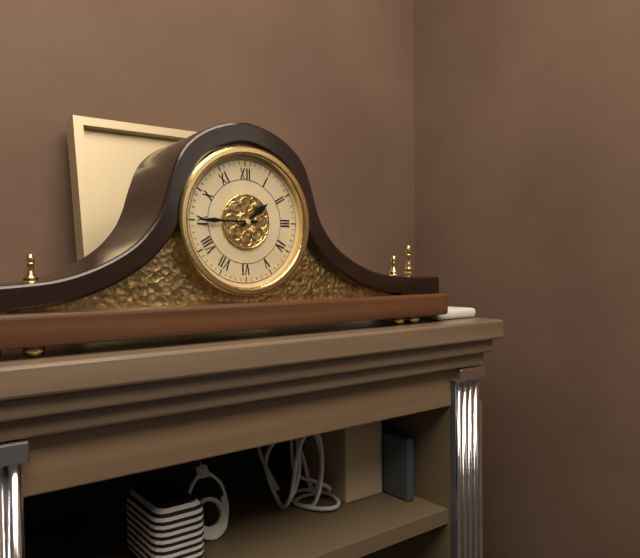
1,45
